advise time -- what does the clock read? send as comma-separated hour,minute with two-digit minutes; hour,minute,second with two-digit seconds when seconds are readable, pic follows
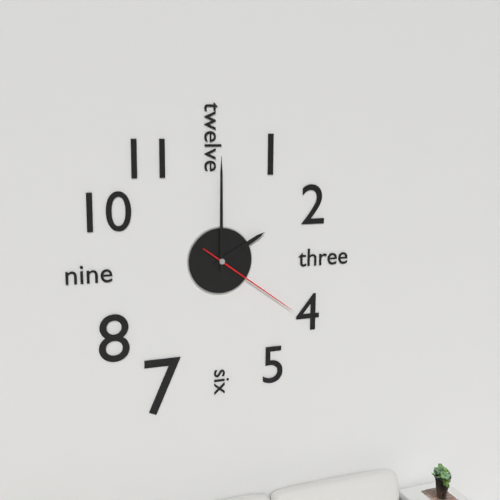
2,00,21
